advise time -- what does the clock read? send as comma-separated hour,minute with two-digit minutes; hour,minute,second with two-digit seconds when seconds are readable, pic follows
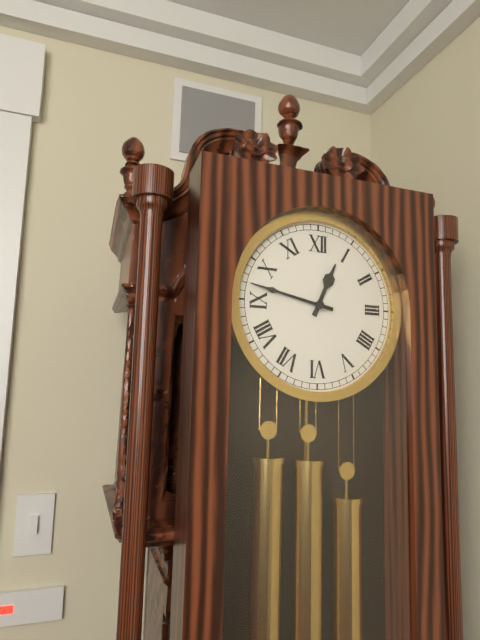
12,47
